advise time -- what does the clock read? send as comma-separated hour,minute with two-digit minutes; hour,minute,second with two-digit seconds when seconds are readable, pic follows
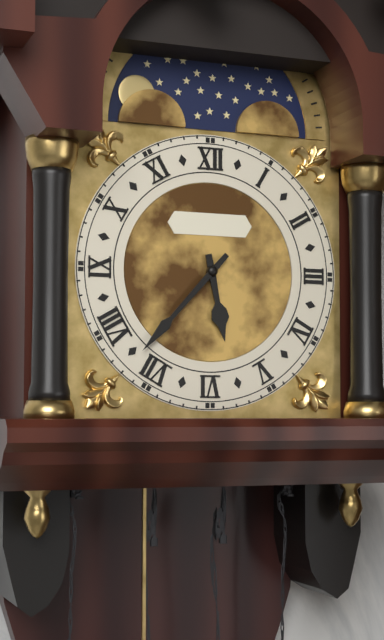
5,37
